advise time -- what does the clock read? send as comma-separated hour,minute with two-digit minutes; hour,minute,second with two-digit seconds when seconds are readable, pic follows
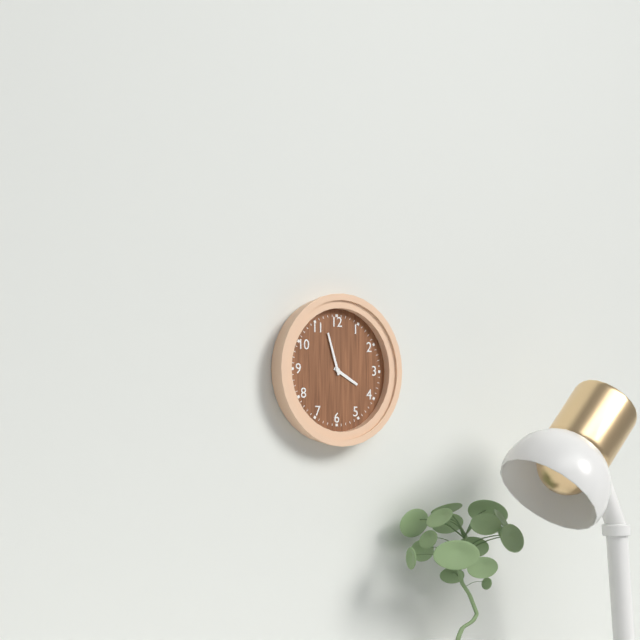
3,57
